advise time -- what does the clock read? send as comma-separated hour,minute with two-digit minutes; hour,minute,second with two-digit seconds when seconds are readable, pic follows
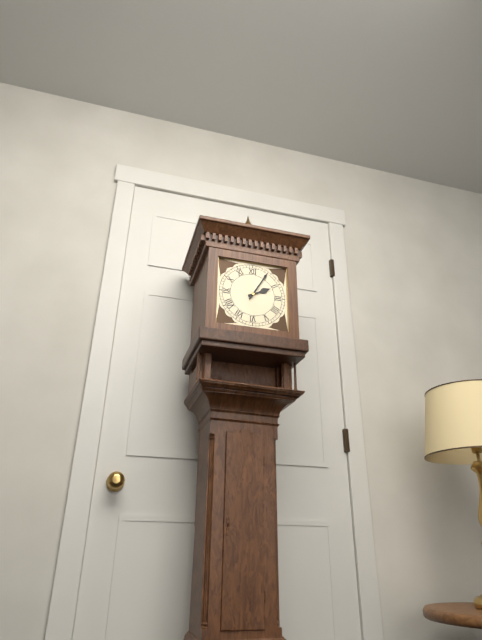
2,05
